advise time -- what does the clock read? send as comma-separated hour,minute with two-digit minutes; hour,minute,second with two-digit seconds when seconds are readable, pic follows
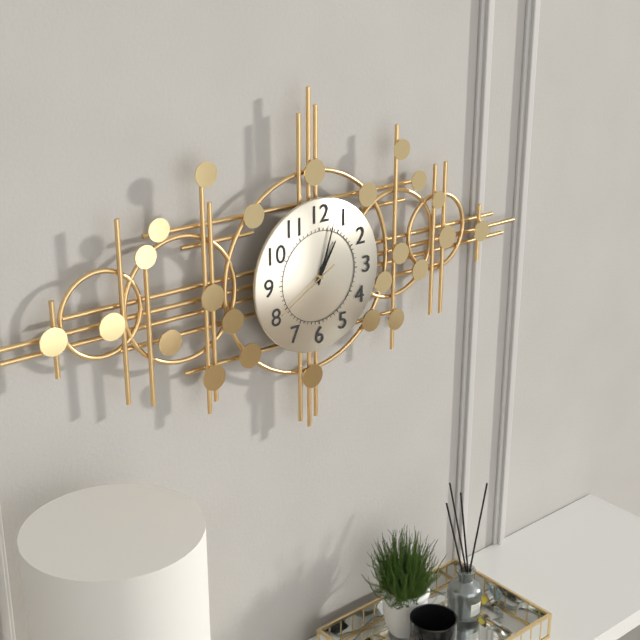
1,03,40
